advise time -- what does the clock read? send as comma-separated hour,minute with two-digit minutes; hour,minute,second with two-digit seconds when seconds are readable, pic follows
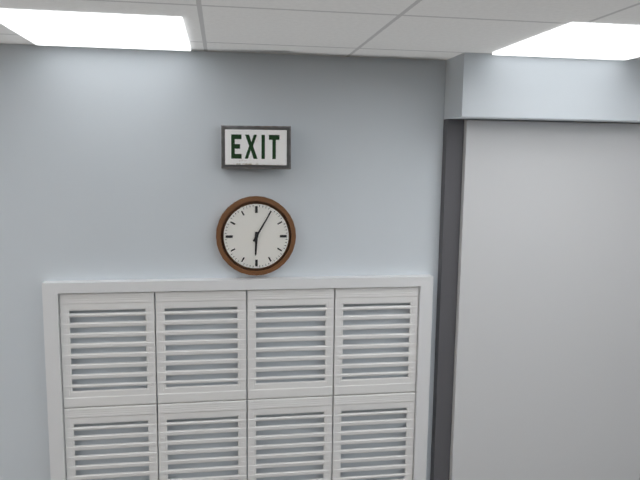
6,05
